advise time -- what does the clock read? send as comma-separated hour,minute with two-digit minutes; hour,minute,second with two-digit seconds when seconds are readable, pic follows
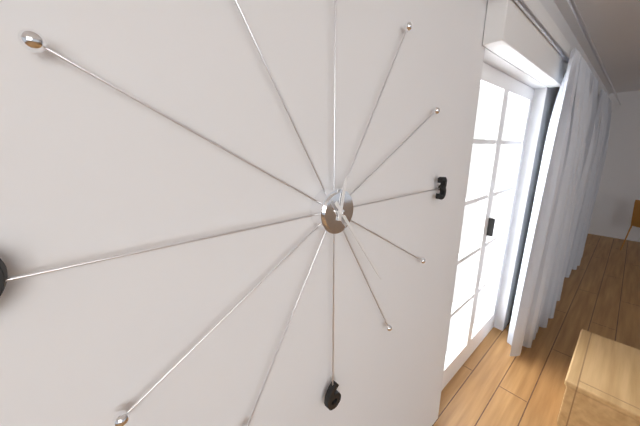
12,24
